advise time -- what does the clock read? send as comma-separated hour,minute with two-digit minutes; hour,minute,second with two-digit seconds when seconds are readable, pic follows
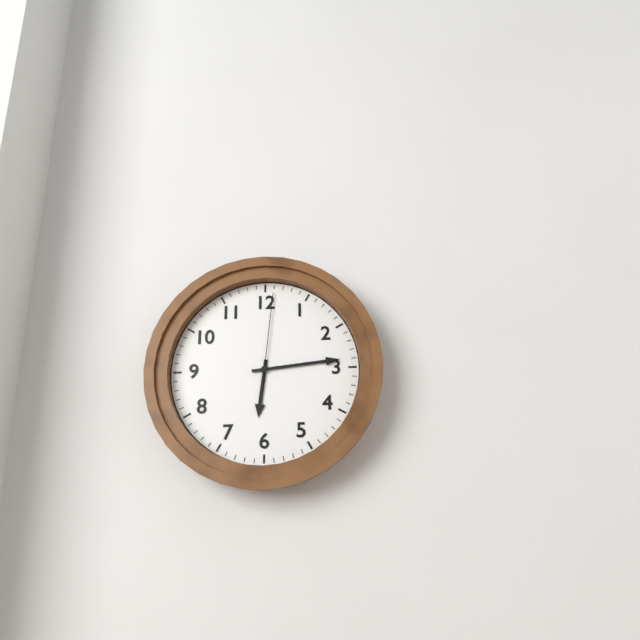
6,14,01
